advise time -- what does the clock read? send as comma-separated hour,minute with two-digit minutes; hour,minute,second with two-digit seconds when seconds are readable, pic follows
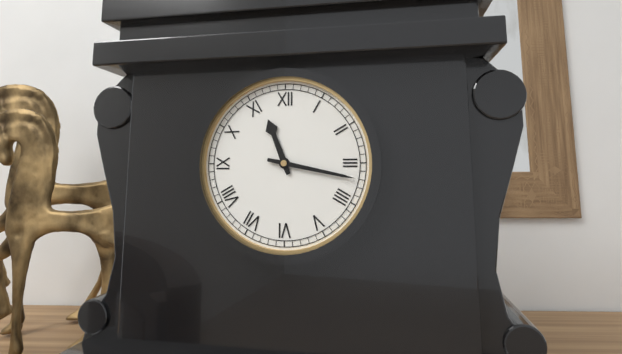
11,17
